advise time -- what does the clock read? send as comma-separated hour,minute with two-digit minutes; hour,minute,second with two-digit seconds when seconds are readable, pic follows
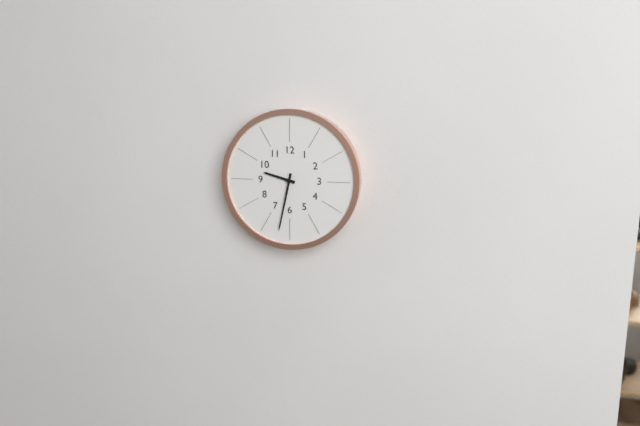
9,32
